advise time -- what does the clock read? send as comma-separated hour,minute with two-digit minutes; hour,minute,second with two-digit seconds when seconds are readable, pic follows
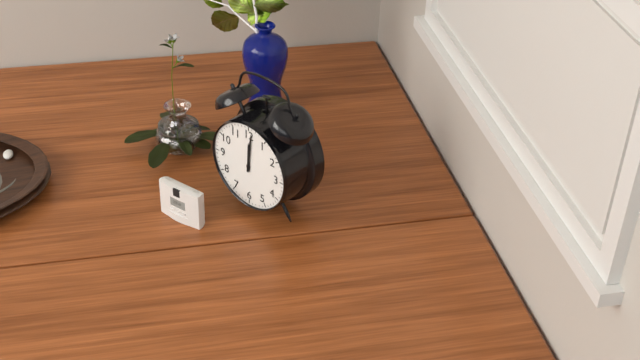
12,01
